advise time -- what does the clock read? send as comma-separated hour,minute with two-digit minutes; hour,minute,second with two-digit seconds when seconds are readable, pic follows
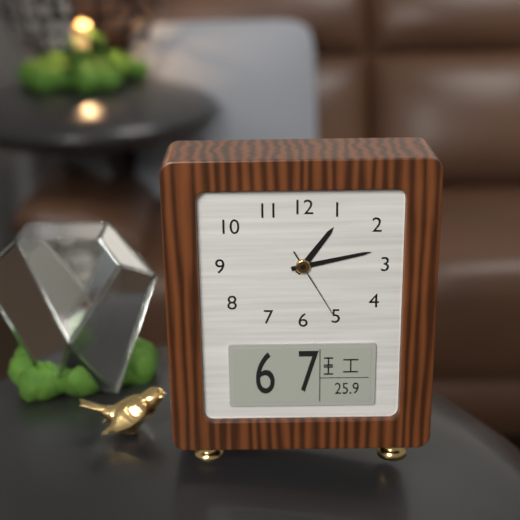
1,13,25
